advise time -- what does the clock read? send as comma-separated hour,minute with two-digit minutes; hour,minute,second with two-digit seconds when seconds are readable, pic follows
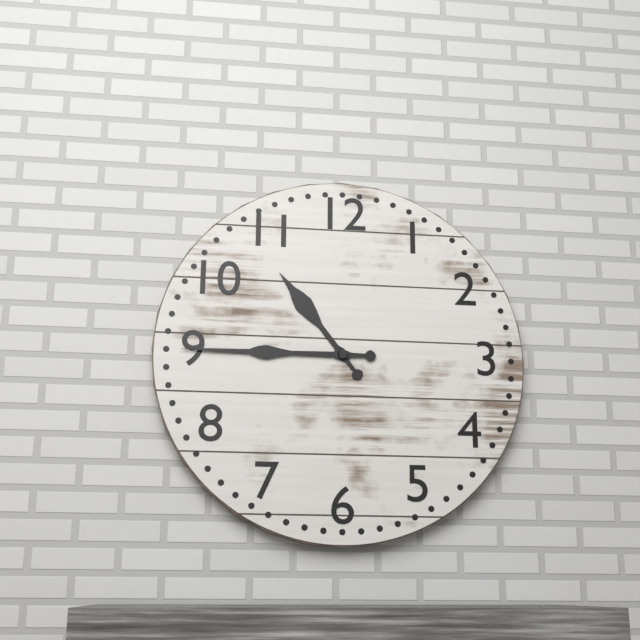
10,45
